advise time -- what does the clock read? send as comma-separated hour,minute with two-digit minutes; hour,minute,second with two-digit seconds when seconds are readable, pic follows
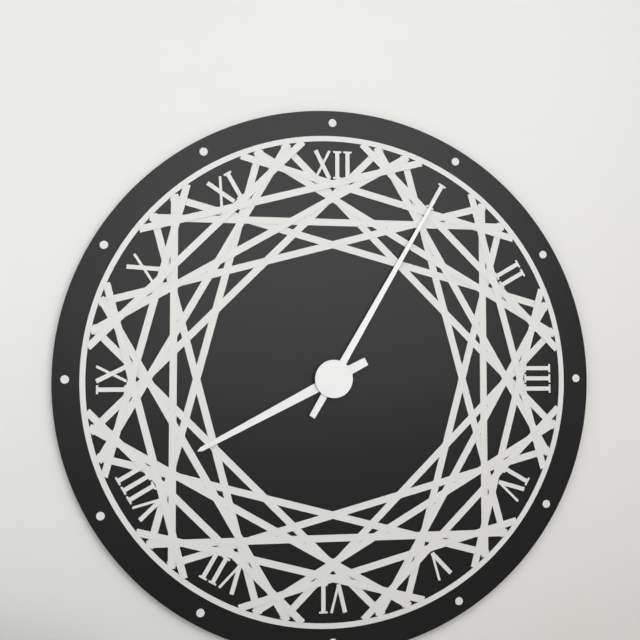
8,05
